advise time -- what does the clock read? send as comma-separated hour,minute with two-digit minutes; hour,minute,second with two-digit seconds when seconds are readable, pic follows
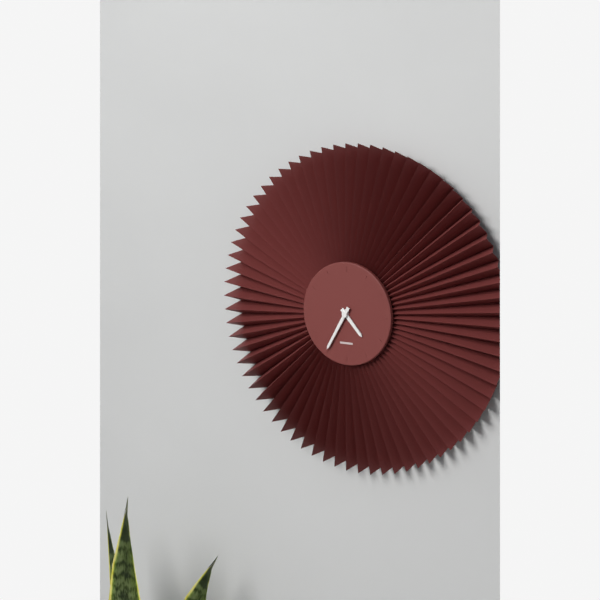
4,35
